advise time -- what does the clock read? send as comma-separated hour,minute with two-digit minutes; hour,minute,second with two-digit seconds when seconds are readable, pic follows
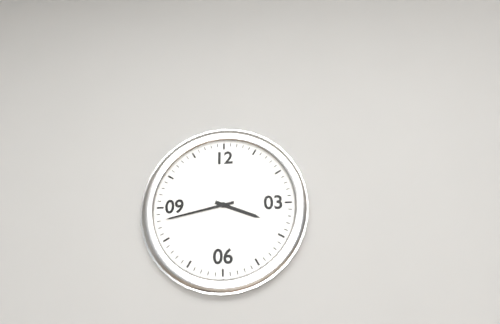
3,43
